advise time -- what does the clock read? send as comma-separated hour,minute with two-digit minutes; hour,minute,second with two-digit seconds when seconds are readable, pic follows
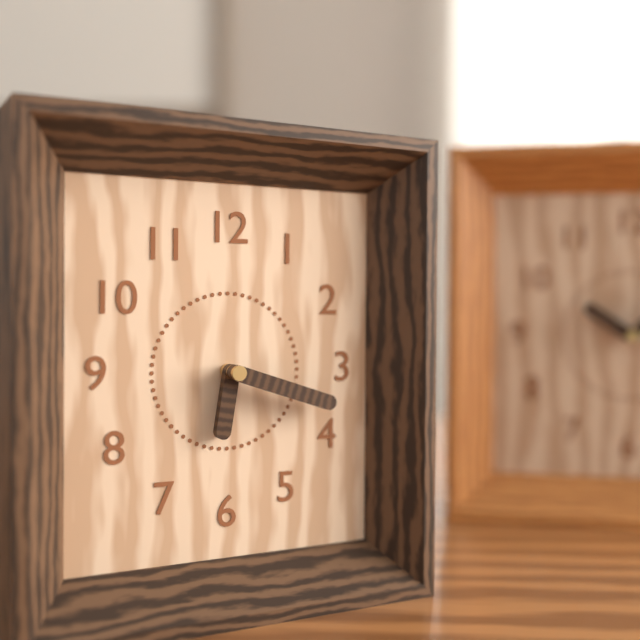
6,18
